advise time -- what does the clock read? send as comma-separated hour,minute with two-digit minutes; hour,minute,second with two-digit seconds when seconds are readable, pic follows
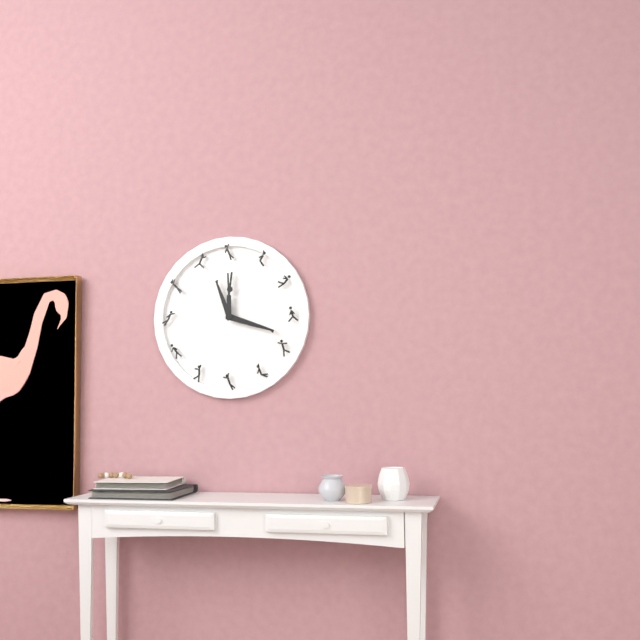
11,18
